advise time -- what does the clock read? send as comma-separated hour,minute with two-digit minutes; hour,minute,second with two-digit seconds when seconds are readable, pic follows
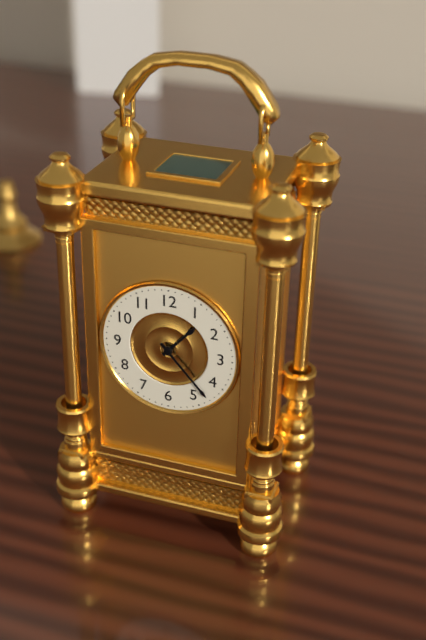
1,23
